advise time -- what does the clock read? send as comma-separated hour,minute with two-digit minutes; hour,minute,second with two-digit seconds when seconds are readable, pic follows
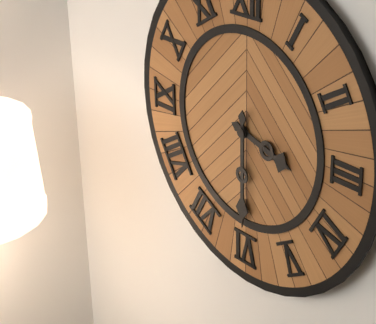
3,30
